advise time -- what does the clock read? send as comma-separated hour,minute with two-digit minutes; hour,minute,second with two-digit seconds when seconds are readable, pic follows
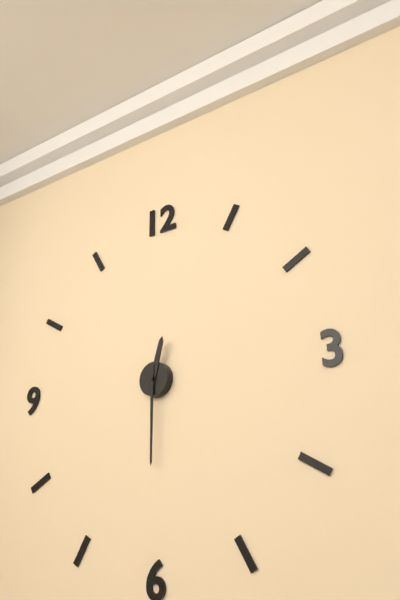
12,30
